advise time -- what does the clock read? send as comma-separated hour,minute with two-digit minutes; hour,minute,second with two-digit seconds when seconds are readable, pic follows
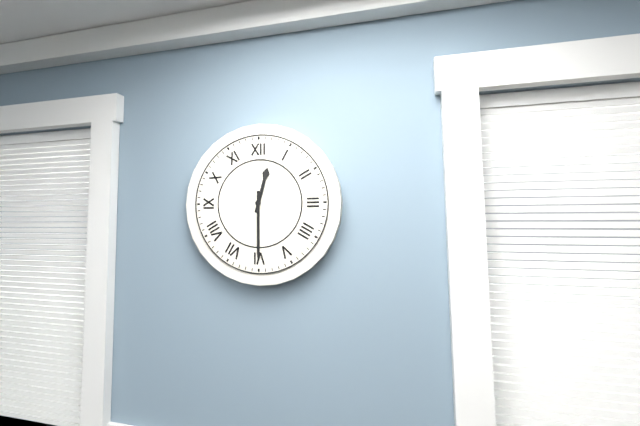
12,30
